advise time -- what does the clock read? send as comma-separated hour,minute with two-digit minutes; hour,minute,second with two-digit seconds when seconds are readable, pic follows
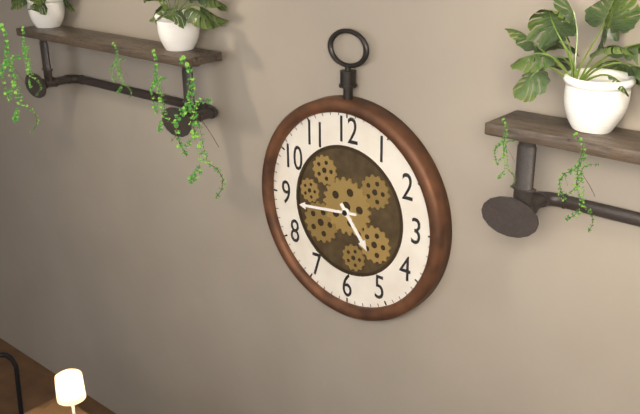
4,44
